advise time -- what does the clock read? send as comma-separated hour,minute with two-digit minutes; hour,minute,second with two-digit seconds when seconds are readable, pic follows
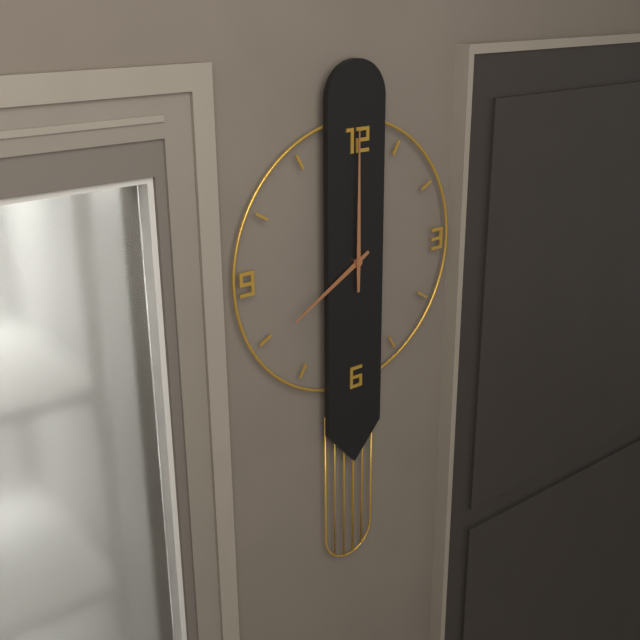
8,00
